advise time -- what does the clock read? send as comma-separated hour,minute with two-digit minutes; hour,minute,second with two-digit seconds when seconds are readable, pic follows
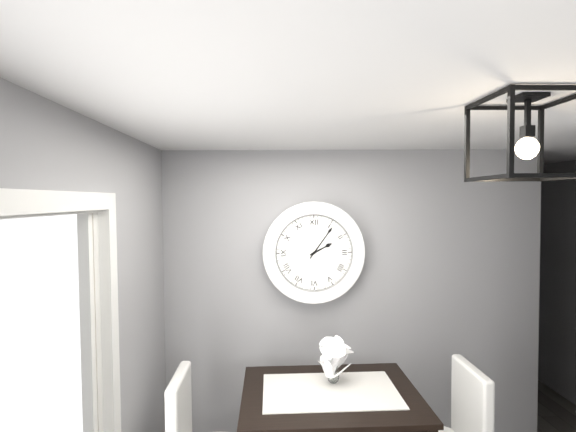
2,06
